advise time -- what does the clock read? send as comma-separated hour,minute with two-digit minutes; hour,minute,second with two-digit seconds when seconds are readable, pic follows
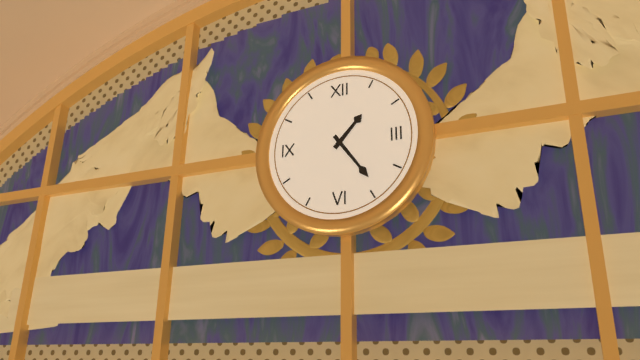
1,24
